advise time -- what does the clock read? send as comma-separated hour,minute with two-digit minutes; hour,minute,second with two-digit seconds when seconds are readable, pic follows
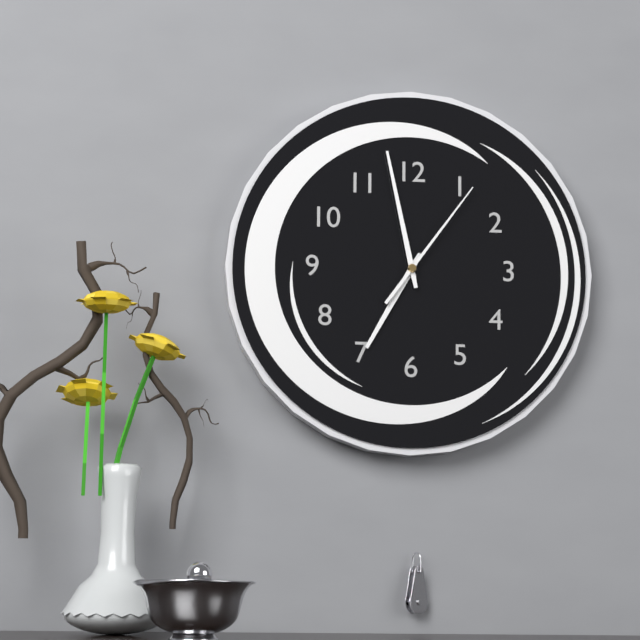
6,58,06
